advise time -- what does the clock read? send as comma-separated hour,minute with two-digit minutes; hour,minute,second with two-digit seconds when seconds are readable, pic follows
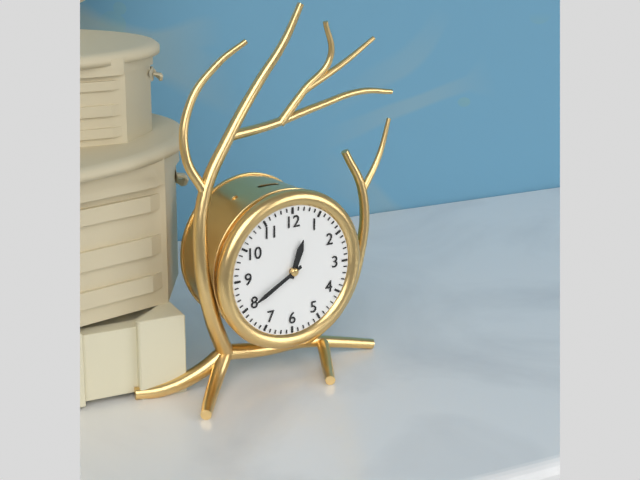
12,40
